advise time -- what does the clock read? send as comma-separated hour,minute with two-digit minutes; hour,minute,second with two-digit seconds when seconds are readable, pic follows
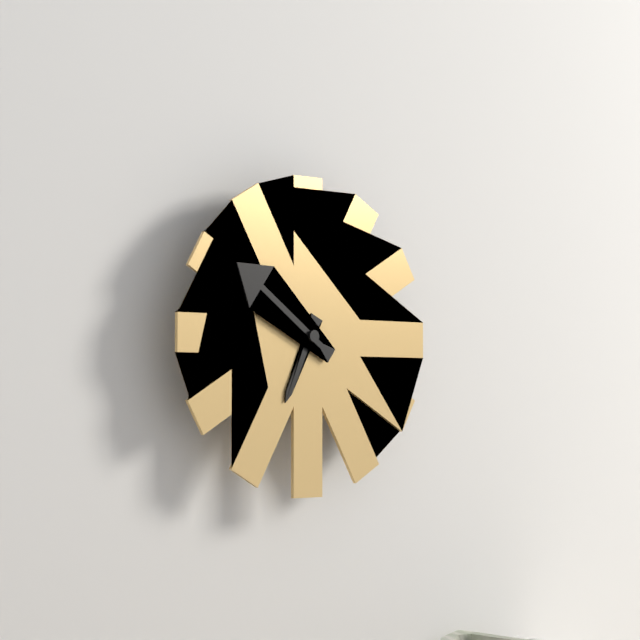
6,51
